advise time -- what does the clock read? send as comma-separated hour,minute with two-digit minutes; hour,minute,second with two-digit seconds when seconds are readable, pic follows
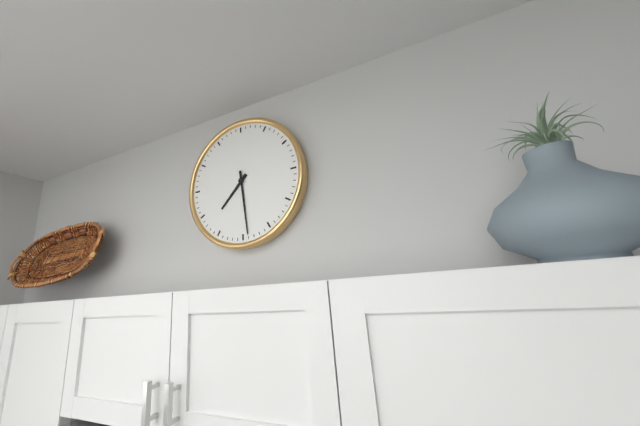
7,29
